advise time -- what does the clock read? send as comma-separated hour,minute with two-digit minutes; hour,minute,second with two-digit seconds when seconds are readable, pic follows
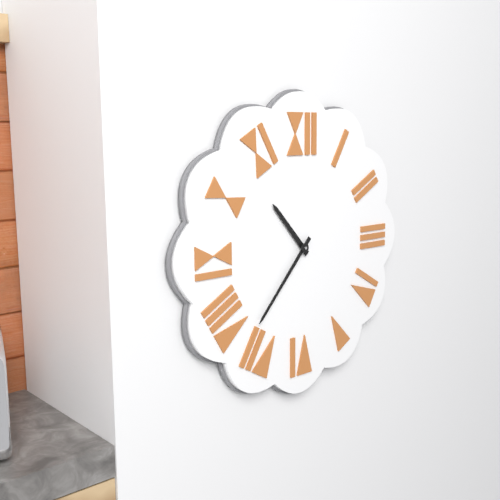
10,37
